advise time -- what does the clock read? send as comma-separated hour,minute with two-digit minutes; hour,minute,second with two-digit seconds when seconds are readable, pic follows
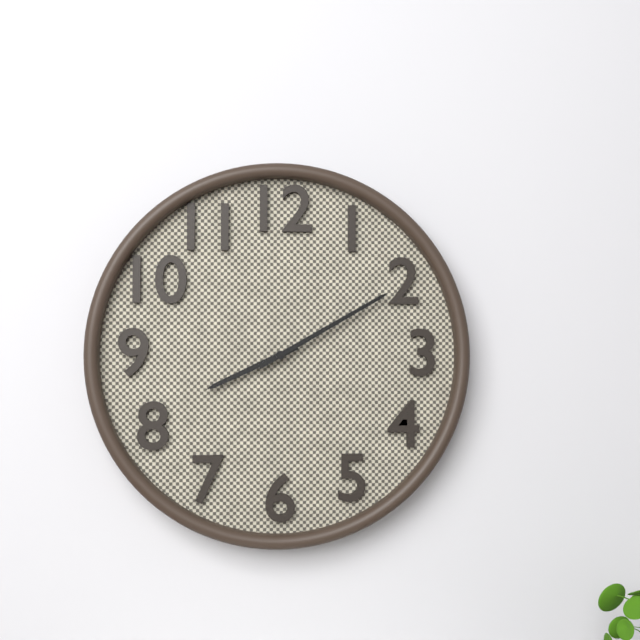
8,10
